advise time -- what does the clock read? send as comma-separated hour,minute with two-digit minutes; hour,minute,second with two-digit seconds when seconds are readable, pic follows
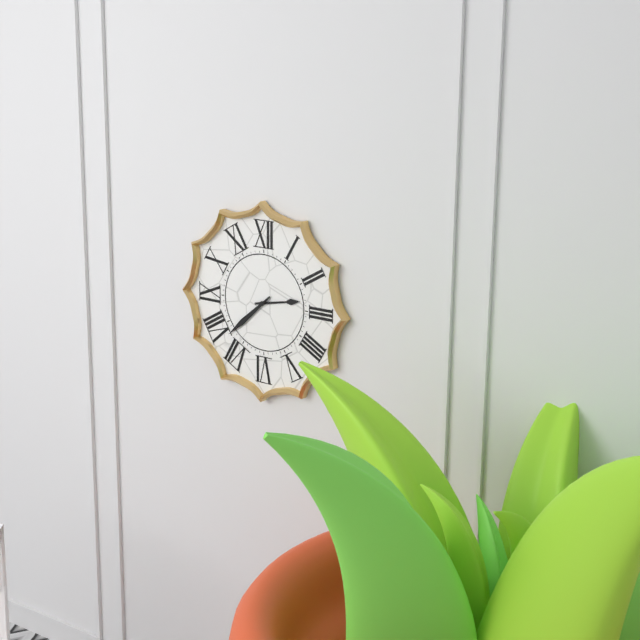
2,38
